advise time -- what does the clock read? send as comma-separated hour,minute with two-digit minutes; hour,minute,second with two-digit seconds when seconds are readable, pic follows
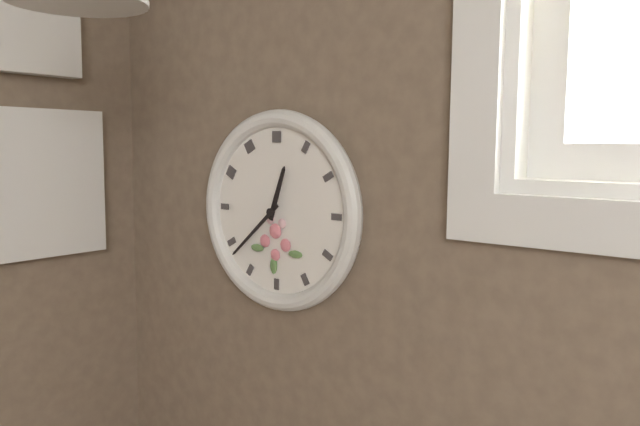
12,38
